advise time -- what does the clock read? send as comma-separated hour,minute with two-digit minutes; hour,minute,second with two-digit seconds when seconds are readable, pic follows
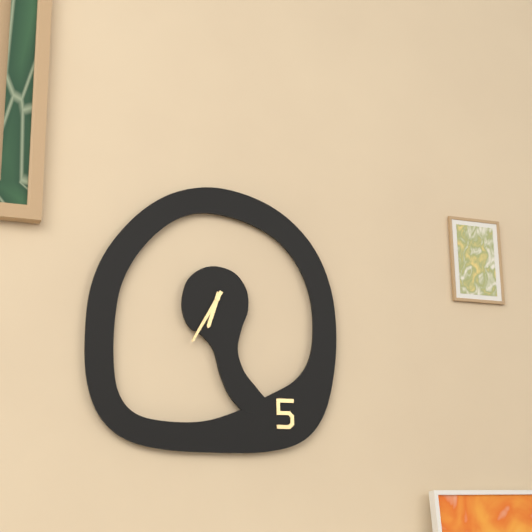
6,35
